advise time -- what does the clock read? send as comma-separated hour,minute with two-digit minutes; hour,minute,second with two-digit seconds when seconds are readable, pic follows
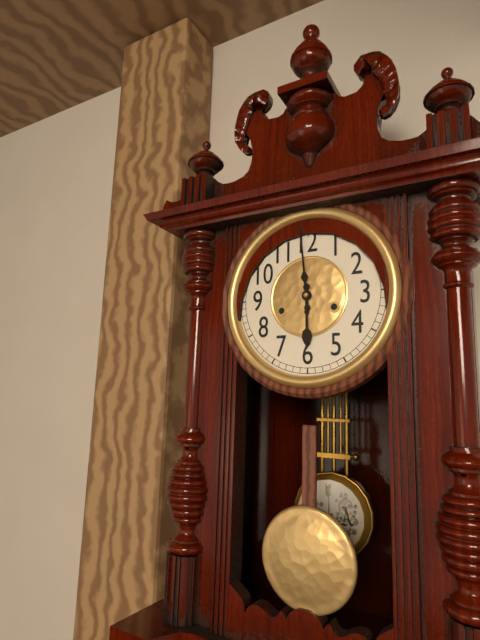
5,59
